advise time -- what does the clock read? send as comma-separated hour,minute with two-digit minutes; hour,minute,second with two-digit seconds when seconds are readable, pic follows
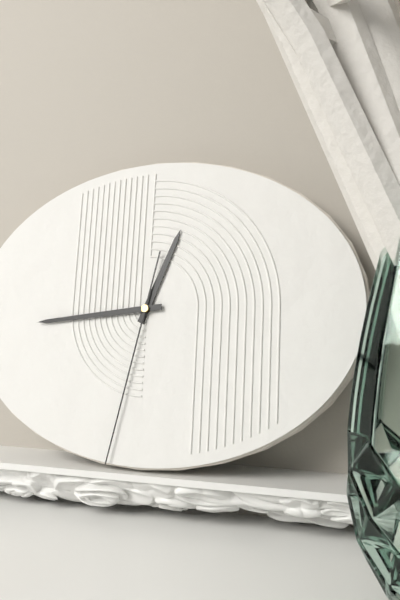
12,44,32
